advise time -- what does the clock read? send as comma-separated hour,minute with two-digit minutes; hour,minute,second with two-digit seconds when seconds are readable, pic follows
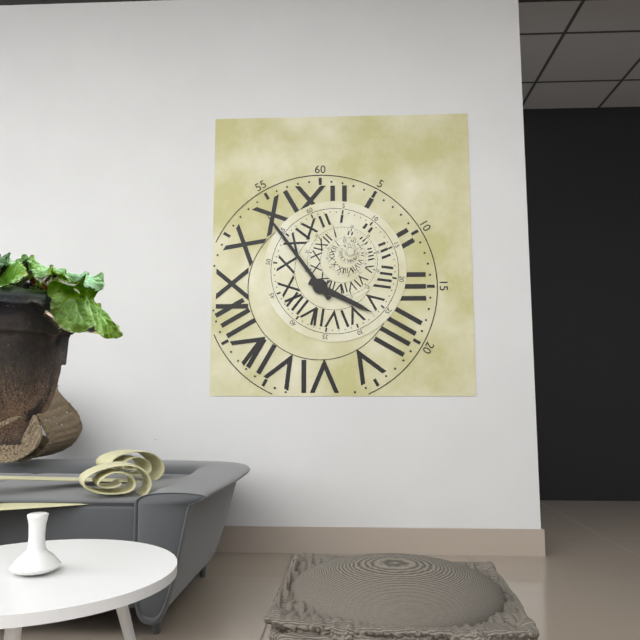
3,54
